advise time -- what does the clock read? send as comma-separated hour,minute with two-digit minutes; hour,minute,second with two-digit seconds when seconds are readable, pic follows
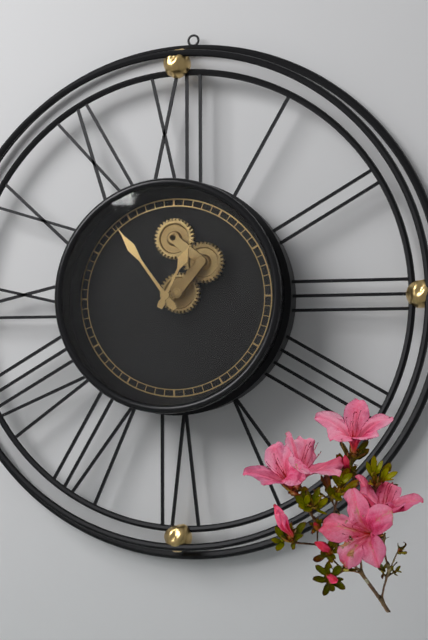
12,54
